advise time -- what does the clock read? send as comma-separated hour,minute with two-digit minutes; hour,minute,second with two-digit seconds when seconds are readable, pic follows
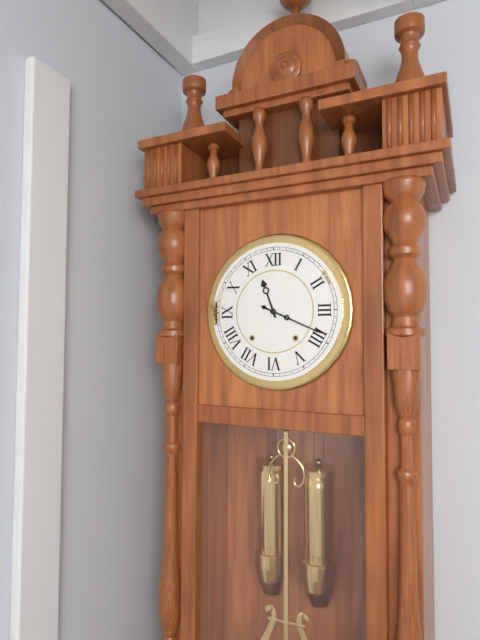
11,19
